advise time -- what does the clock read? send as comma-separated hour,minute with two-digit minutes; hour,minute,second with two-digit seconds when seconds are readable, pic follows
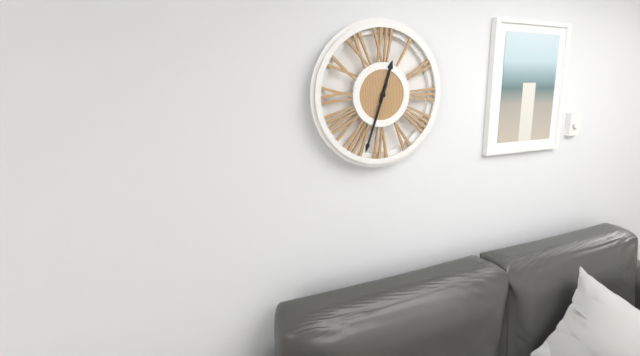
12,33
